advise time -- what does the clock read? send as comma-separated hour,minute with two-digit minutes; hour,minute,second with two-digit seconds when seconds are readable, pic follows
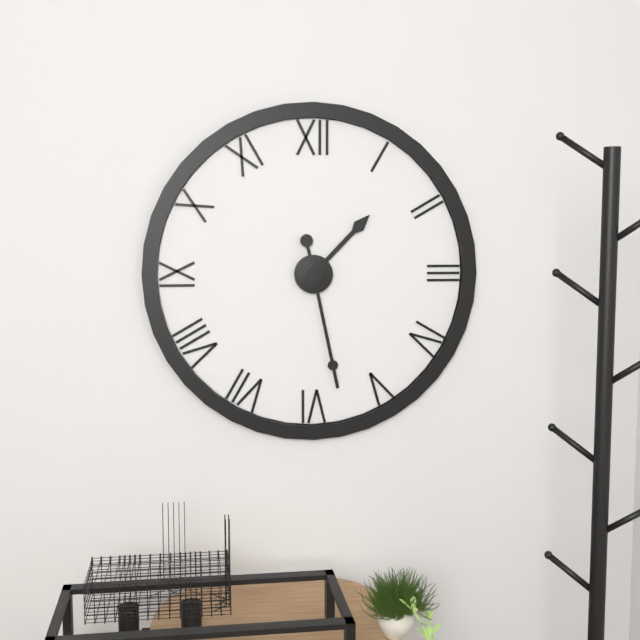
1,28
